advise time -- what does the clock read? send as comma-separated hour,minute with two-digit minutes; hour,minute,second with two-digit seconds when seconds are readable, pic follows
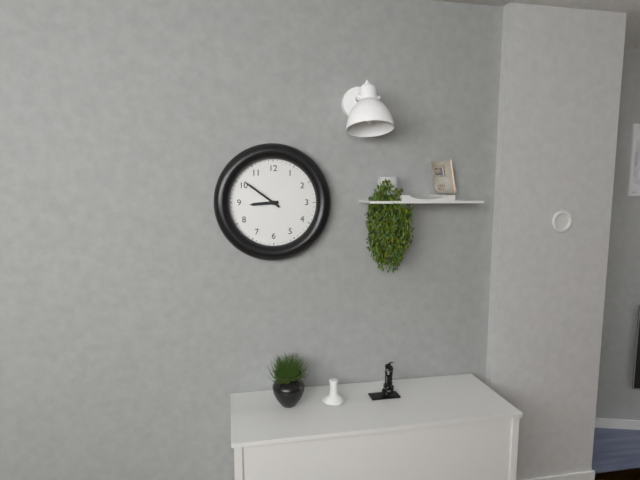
8,51
